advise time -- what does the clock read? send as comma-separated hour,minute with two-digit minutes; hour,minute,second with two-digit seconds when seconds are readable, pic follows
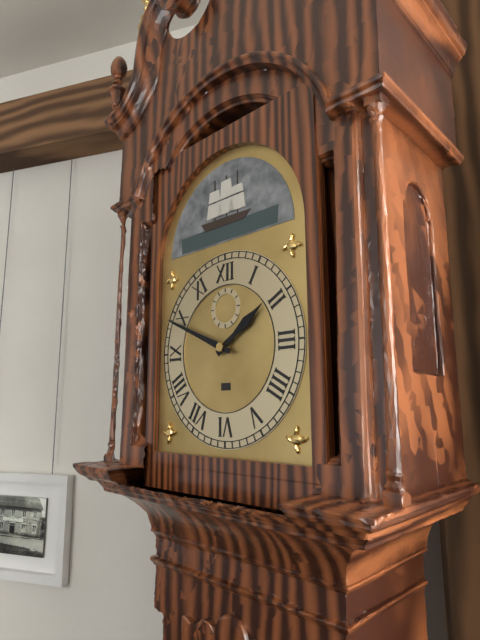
1,49
